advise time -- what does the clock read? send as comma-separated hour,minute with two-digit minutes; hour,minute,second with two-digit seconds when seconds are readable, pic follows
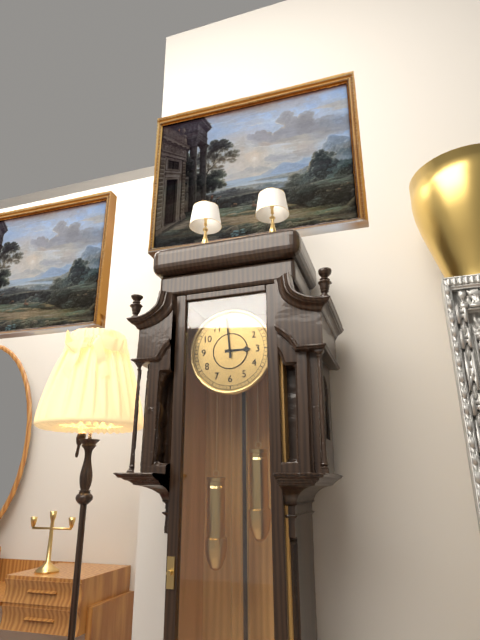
2,59
